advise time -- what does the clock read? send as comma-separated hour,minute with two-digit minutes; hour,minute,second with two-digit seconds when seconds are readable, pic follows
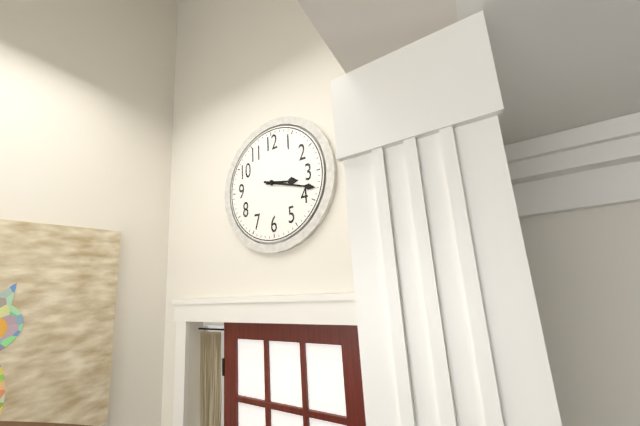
3,18
